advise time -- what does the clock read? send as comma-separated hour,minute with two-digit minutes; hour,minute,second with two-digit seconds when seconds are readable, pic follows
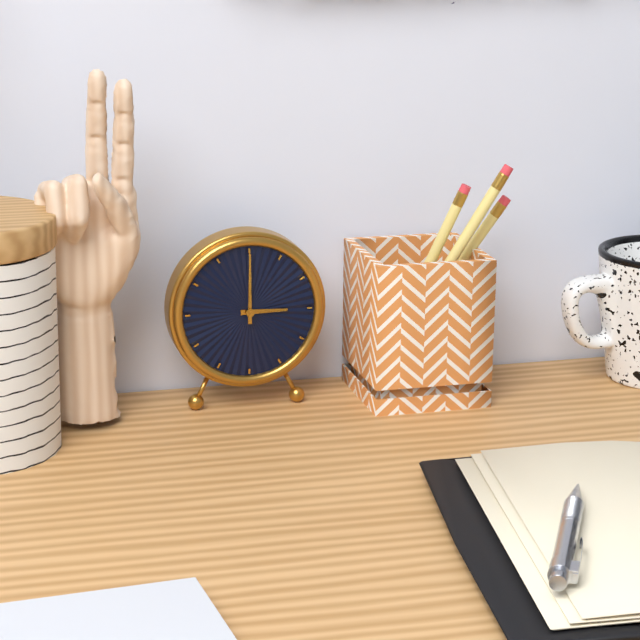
3,00
